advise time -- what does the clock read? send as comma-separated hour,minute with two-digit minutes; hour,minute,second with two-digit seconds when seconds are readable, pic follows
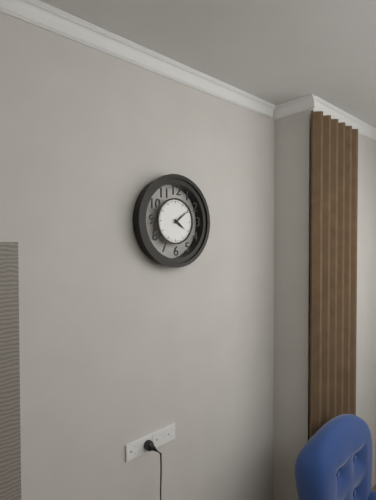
4,09
